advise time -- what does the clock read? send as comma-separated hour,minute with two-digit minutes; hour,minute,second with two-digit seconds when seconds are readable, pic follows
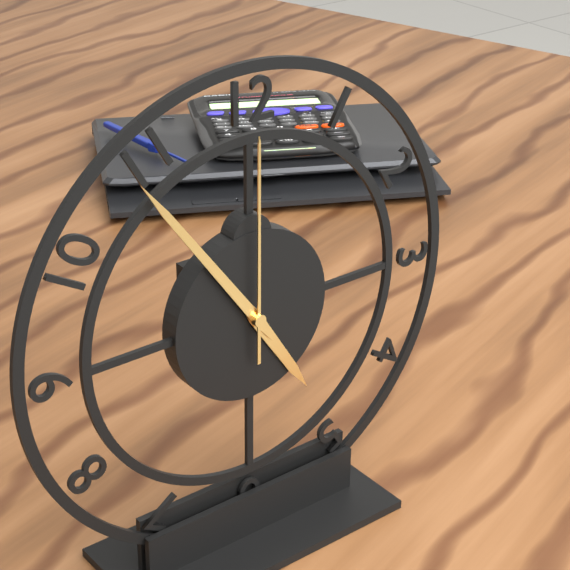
4,54,00
